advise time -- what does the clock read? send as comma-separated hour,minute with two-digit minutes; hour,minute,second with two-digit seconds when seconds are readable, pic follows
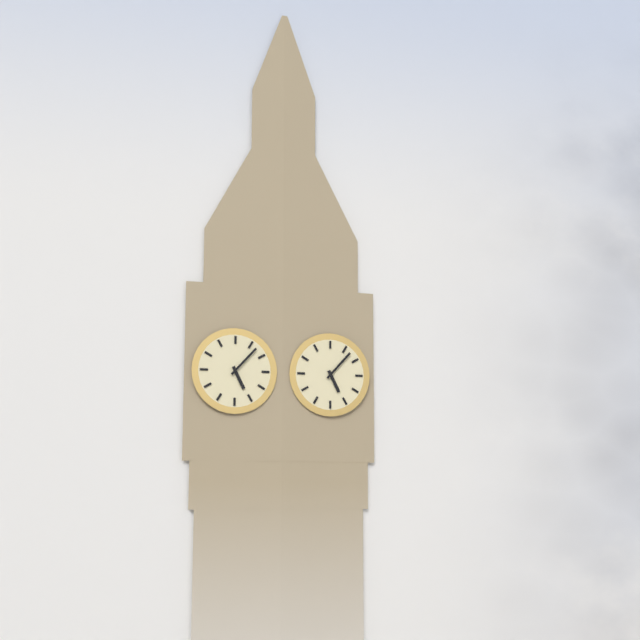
5,07
